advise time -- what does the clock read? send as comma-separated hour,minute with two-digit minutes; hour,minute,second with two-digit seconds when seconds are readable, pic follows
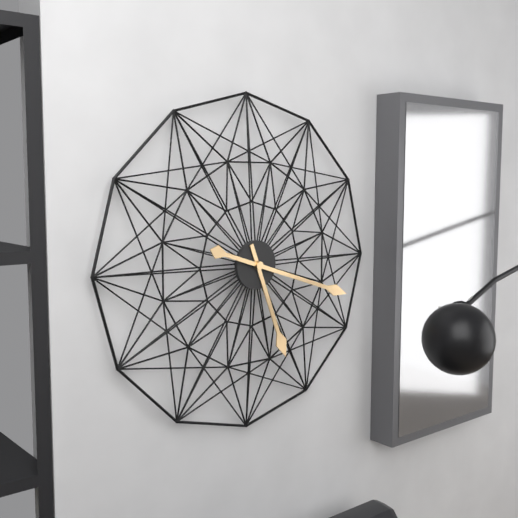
5,18
